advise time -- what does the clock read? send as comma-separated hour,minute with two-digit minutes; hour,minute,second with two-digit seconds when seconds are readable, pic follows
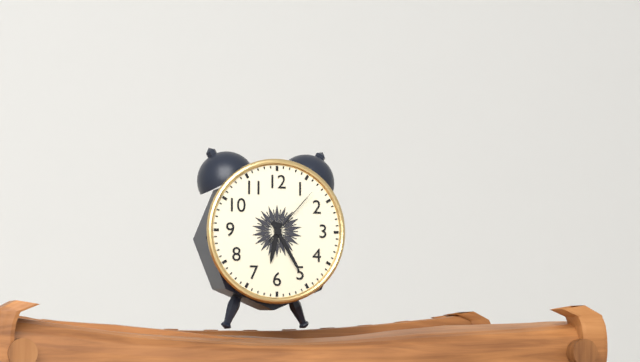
6,25,07
